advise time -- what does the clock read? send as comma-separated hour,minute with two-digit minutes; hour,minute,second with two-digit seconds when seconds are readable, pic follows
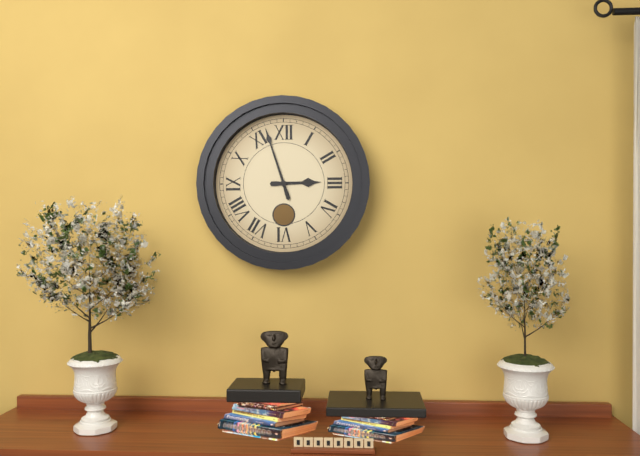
2,57
